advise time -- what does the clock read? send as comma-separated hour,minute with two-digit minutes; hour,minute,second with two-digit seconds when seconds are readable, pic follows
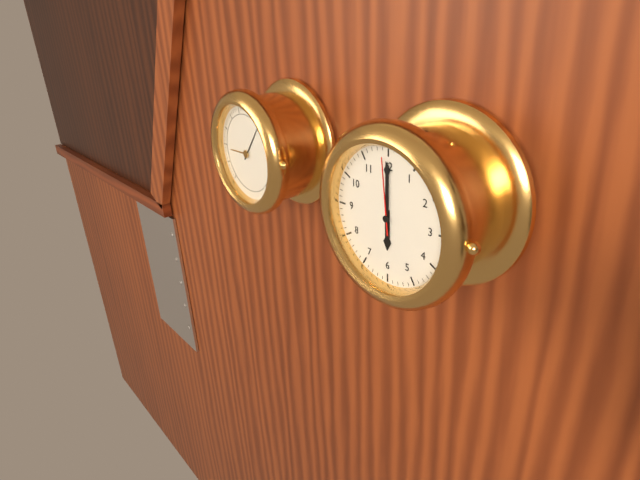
6,00,59
